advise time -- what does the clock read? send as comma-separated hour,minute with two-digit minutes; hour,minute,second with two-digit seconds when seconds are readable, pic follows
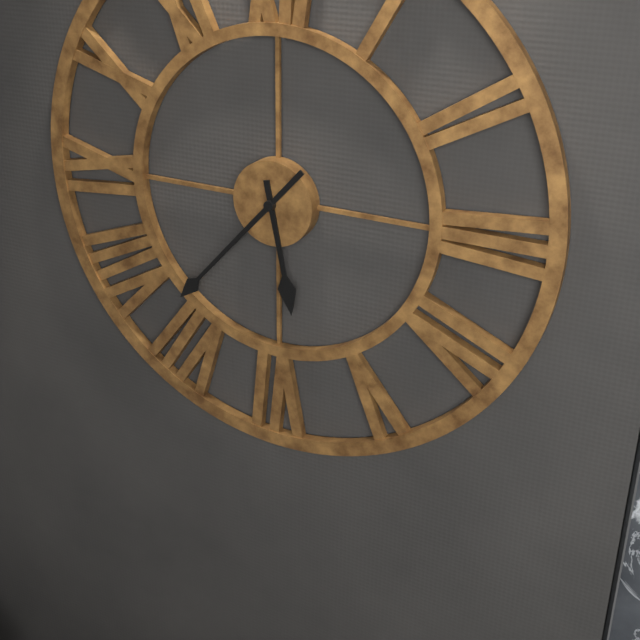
5,37
